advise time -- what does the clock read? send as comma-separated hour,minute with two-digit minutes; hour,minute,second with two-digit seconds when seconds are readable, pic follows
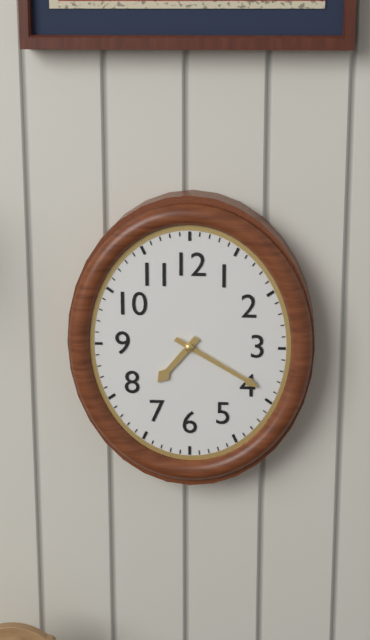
7,20
